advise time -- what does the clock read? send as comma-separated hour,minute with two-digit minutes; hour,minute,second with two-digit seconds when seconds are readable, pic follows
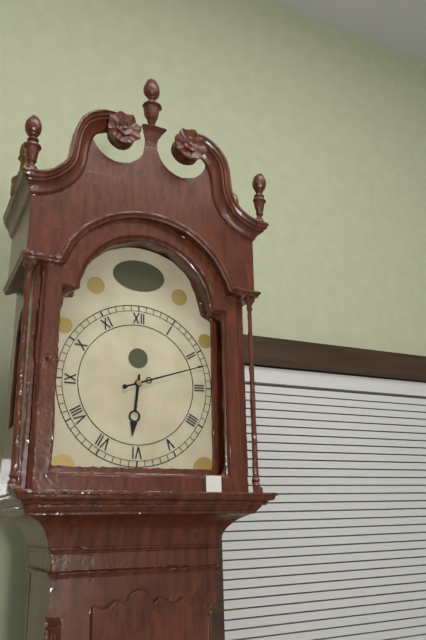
6,12
